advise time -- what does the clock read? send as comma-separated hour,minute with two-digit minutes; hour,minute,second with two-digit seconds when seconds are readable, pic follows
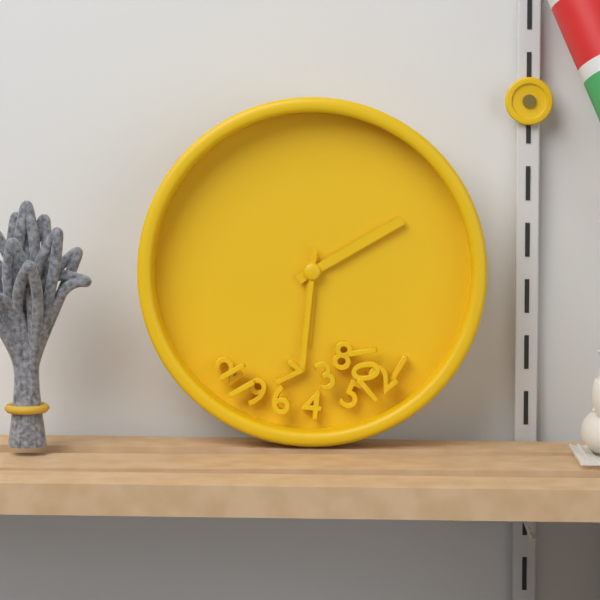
6,10,31
